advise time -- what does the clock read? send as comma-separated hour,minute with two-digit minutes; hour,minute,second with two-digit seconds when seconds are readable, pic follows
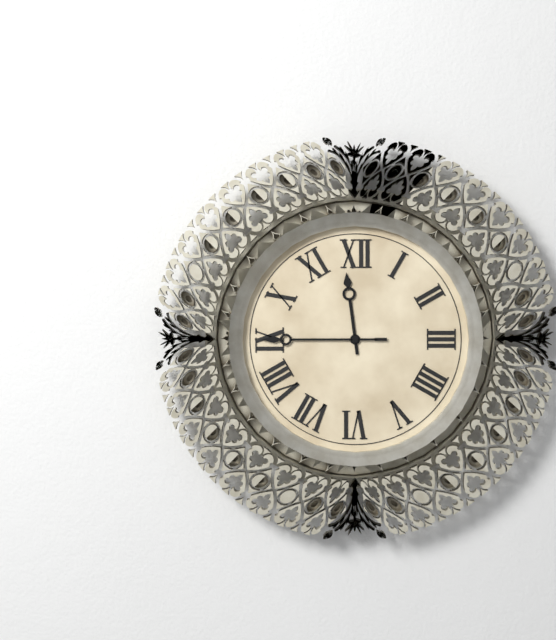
11,45
